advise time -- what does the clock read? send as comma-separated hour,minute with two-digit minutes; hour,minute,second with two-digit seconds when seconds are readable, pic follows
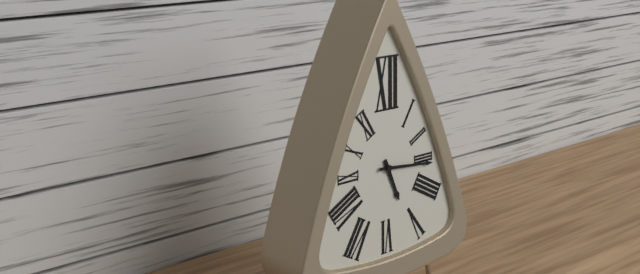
5,16
